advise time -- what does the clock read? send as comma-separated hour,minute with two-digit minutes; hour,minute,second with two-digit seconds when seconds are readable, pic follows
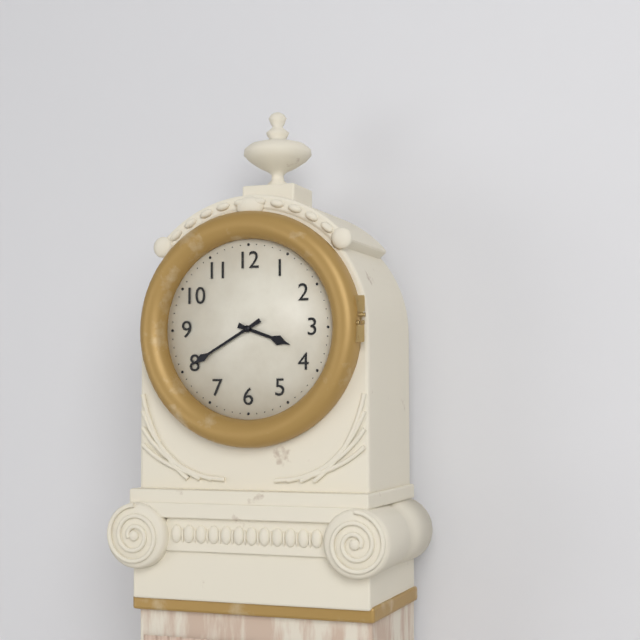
3,40
